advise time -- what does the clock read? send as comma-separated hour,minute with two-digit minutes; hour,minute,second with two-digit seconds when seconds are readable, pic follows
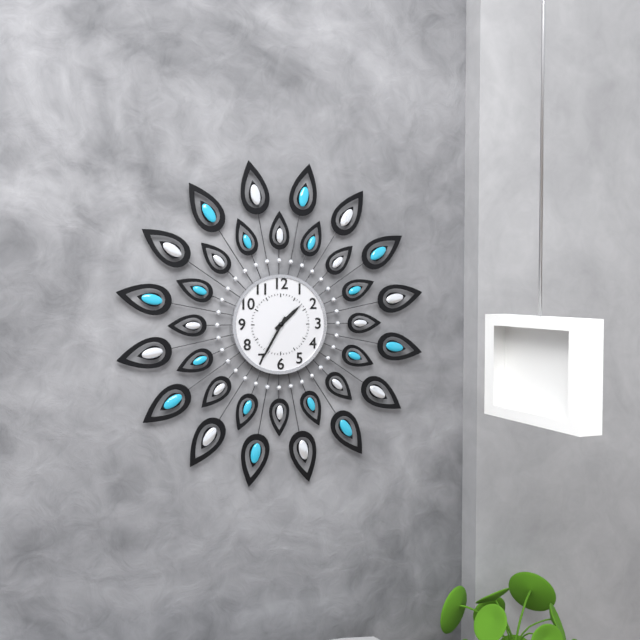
1,35
